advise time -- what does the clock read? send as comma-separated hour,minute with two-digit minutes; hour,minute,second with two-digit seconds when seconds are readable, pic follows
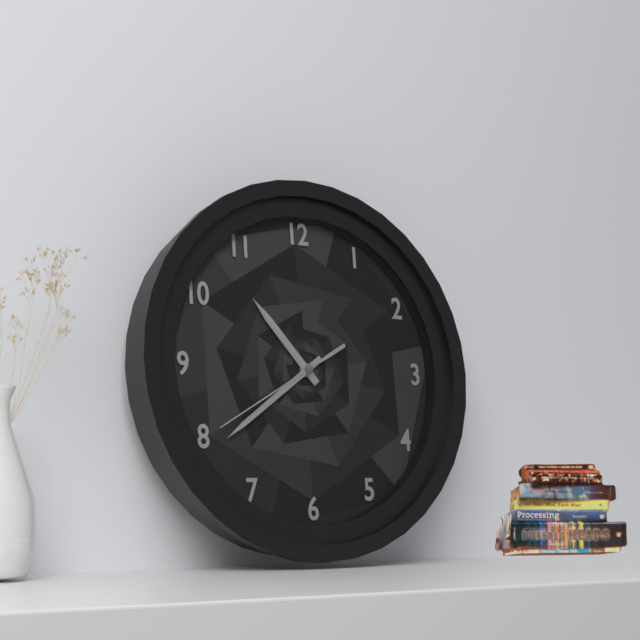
10,39,40
